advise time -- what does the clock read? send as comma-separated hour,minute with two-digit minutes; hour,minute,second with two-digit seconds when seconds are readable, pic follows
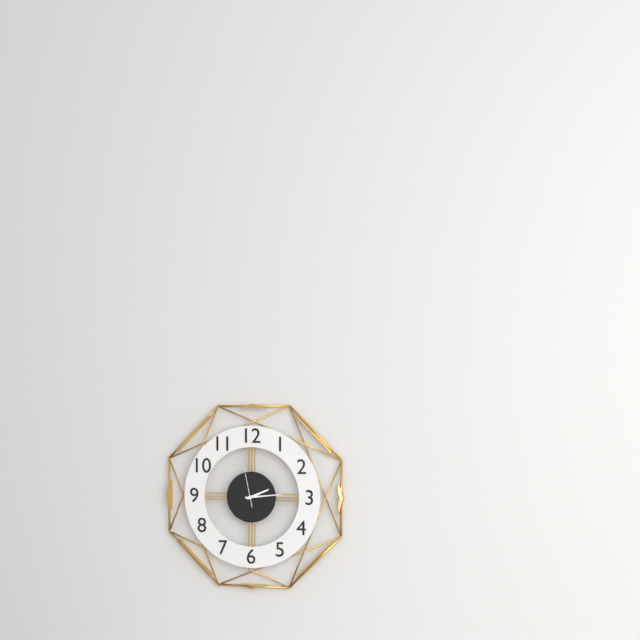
2,14
